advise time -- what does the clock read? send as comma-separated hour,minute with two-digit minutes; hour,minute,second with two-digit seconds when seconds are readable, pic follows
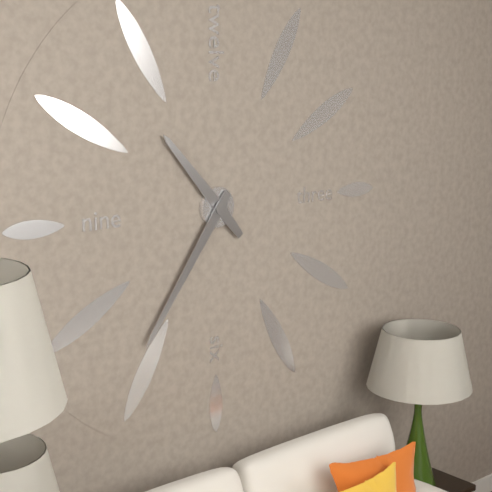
10,36
